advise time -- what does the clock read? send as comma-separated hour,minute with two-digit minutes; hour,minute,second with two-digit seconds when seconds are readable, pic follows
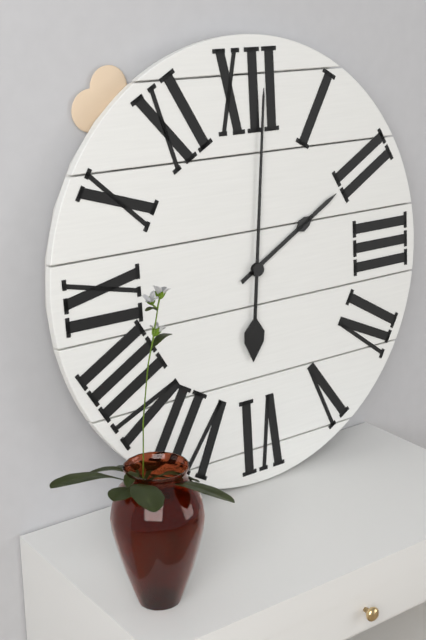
2,01
